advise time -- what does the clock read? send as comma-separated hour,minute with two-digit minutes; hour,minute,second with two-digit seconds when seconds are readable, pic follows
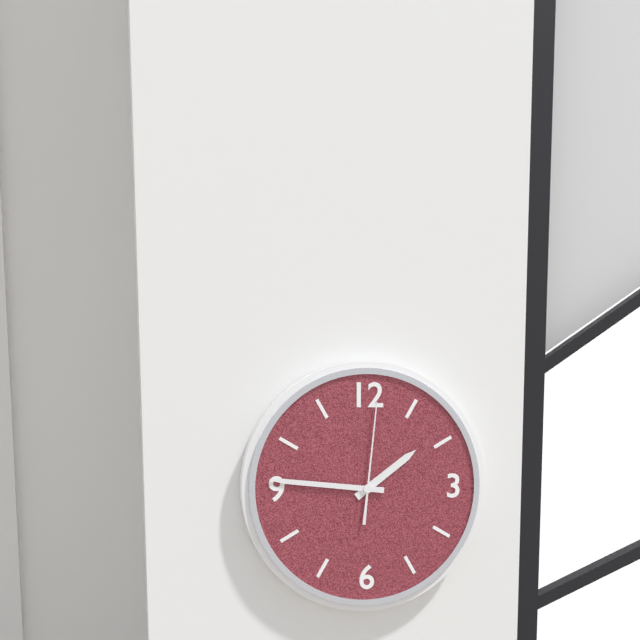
1,46,01
